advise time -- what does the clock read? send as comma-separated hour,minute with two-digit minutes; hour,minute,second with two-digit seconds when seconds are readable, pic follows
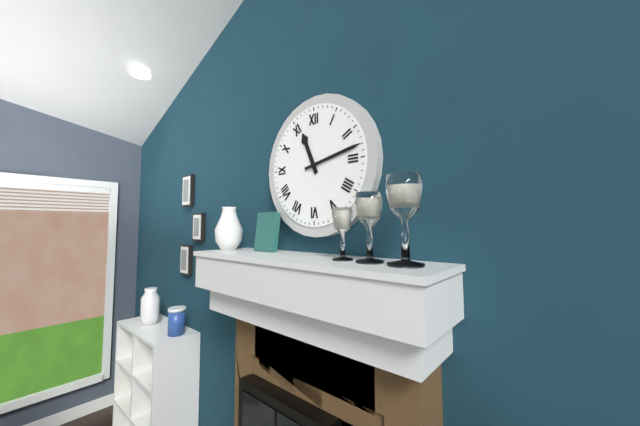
11,13
